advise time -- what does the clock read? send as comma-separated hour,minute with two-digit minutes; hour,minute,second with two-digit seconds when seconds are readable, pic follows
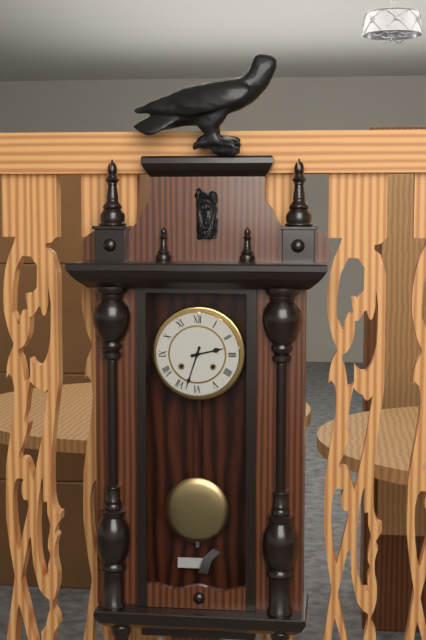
2,33
